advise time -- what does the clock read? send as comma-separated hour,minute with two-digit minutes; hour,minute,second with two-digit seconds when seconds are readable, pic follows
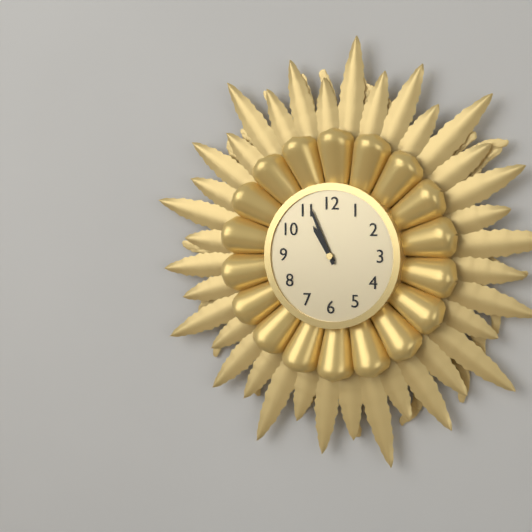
10,56
